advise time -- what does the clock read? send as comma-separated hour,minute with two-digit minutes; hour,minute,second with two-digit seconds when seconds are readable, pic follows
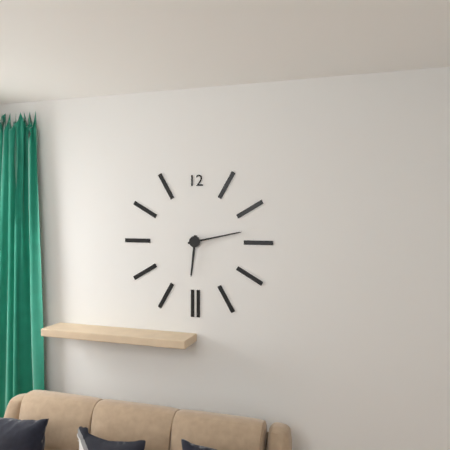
6,13
